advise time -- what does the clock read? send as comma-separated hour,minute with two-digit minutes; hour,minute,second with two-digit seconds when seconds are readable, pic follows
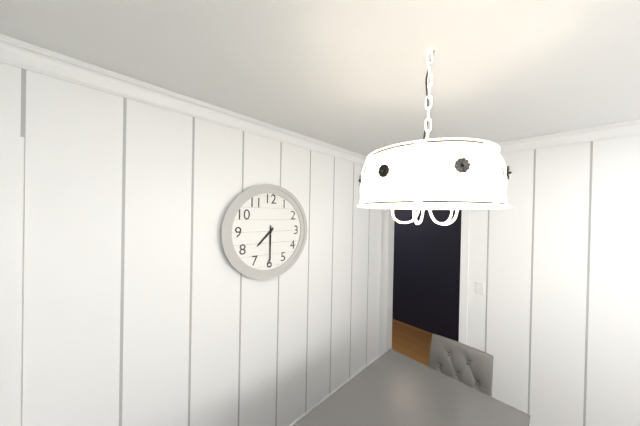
7,30
